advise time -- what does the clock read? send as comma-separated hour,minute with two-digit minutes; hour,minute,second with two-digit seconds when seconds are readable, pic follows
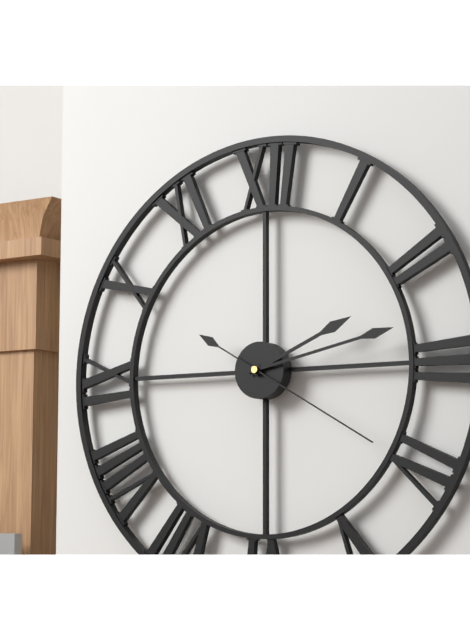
2,13,20
